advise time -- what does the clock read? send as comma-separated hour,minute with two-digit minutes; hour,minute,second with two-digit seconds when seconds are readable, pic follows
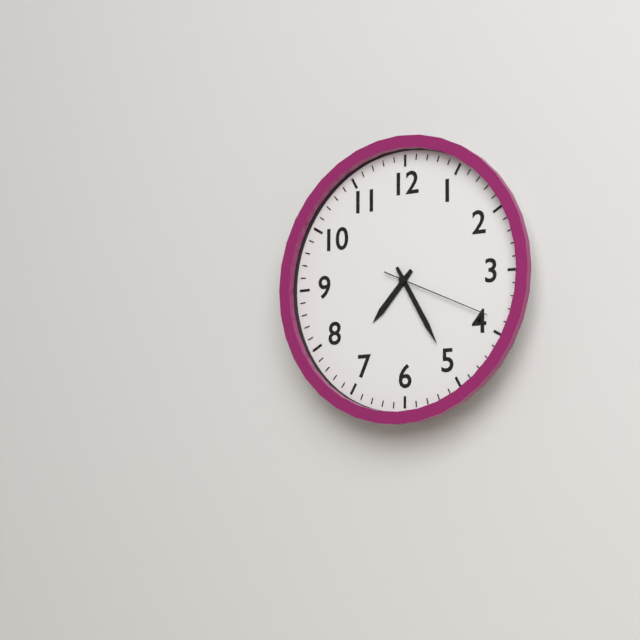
7,25,19
